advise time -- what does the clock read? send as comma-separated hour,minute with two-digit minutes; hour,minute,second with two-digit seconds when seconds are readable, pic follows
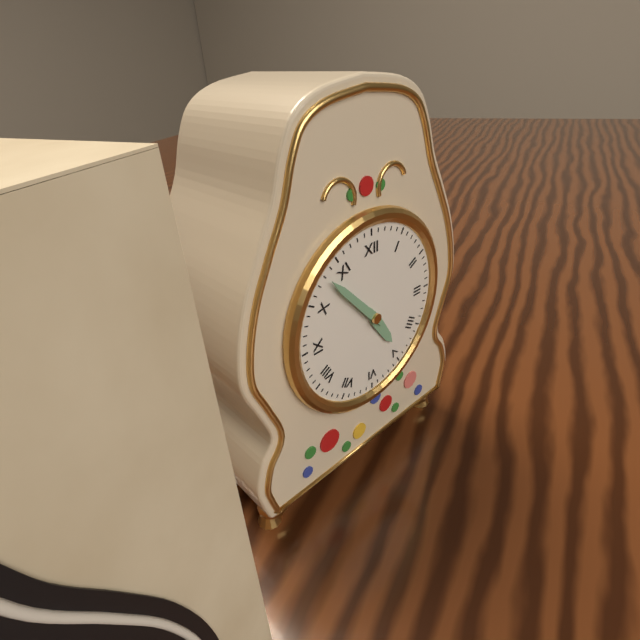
4,53
